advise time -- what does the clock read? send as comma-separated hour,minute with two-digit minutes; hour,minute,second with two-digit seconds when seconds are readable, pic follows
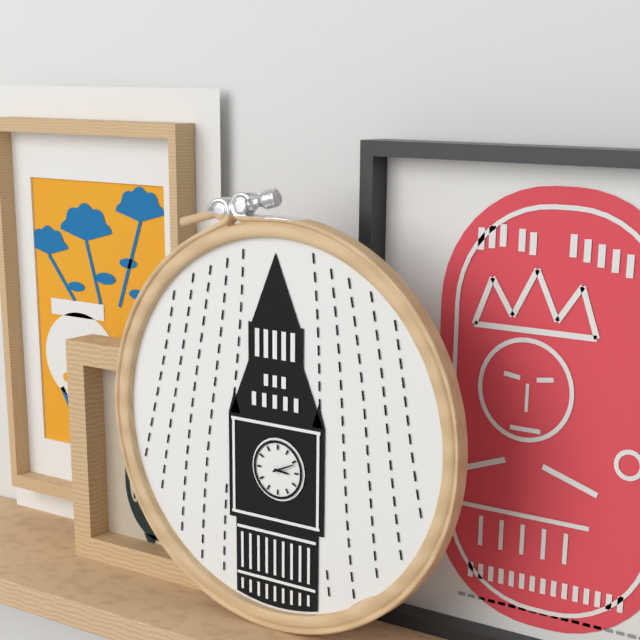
3,11
